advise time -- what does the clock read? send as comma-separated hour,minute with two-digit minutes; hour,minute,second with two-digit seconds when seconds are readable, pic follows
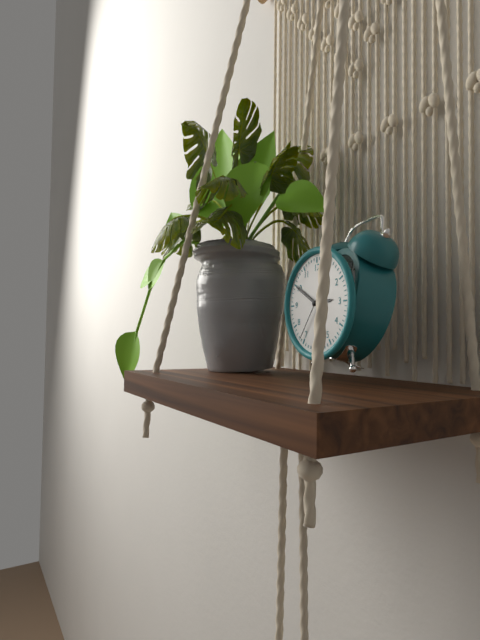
2,50
